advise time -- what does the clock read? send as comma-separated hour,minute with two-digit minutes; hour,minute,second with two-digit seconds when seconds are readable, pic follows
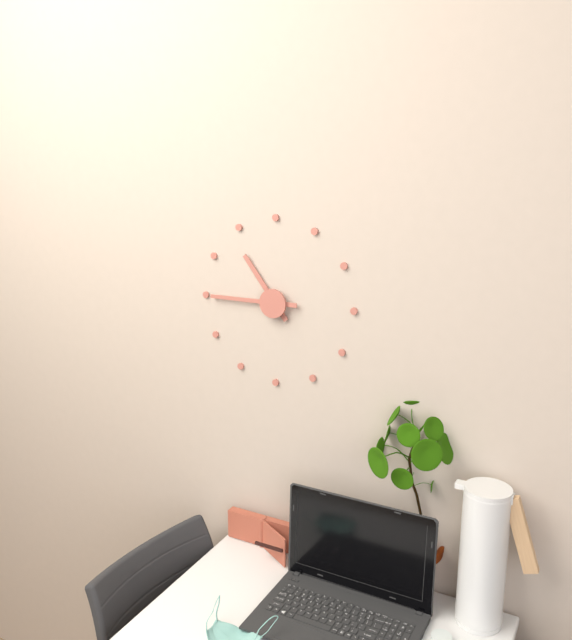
10,45
